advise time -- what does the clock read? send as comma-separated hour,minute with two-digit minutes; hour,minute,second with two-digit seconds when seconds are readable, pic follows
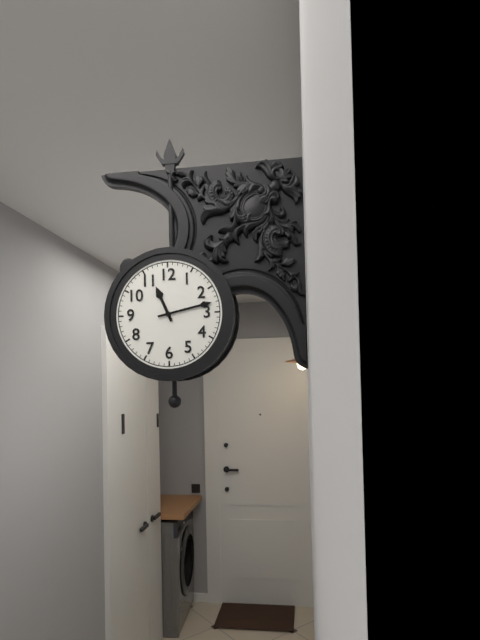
11,13
